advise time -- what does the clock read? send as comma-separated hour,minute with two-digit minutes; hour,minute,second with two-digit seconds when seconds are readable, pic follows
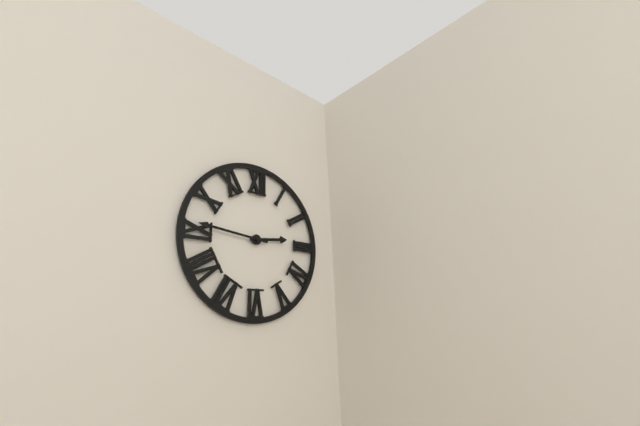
2,46
